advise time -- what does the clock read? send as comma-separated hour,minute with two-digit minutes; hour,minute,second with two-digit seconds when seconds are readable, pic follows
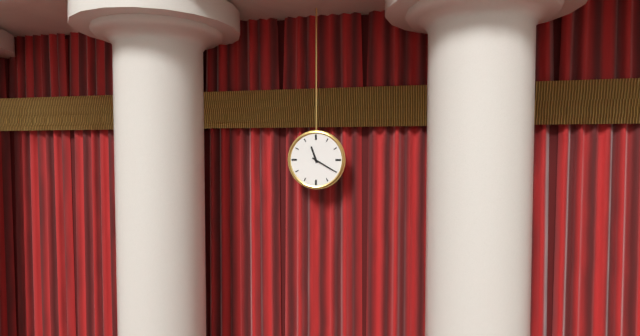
11,20
